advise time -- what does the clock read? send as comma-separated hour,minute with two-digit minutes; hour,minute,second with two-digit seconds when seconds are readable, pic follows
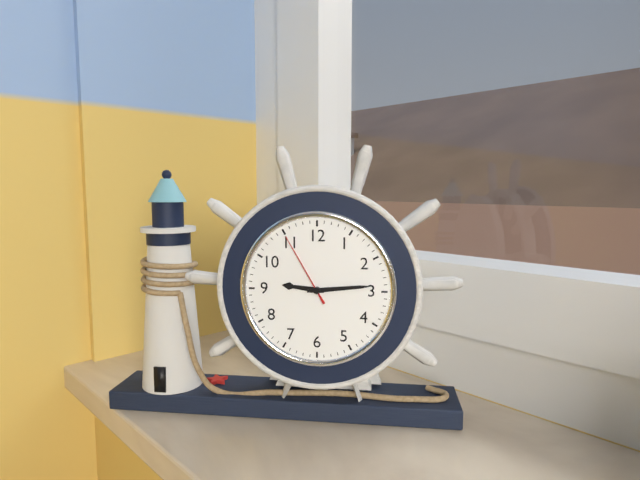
9,14,55
